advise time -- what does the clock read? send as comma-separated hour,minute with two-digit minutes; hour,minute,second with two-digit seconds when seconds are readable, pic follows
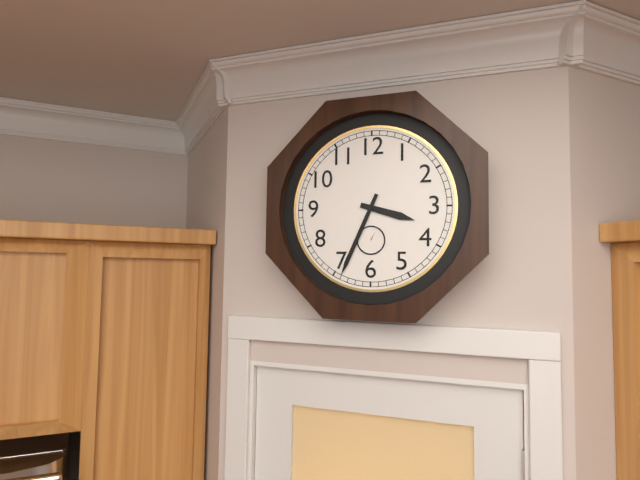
3,34
